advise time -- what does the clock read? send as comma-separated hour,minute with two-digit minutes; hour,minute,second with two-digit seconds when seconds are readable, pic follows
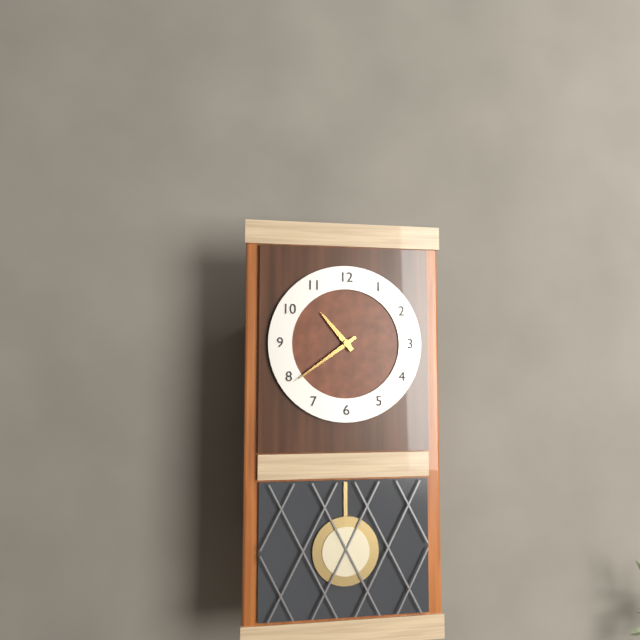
10,39
